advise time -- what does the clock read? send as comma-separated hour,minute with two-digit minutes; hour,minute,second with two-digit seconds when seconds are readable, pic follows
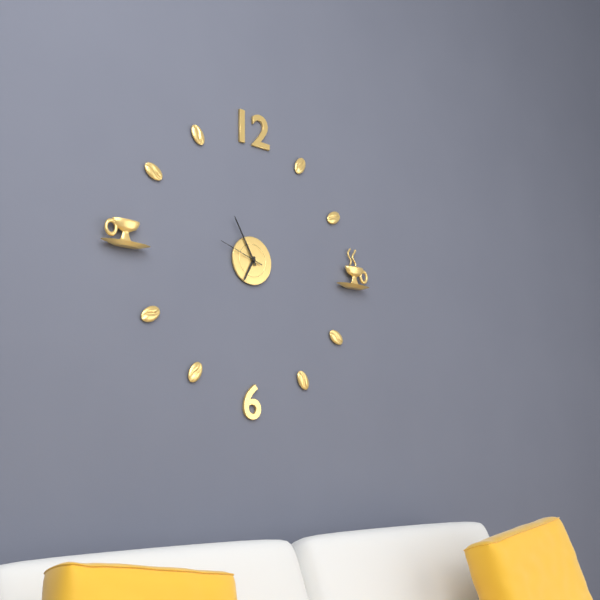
6,55
